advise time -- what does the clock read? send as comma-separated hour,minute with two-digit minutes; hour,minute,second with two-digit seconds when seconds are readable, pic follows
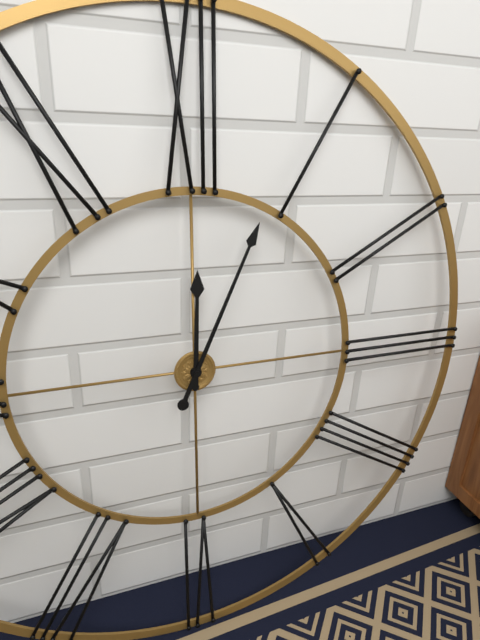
12,04
